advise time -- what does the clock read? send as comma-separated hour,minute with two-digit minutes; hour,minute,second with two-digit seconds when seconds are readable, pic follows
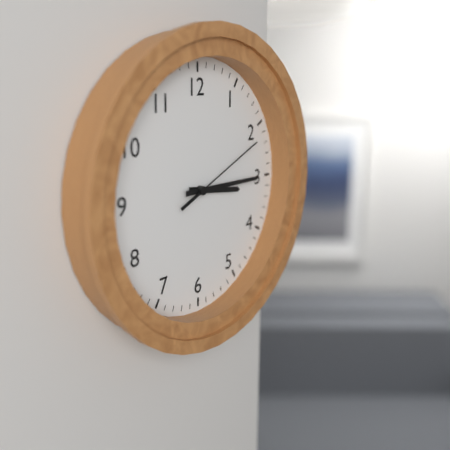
3,15,11
